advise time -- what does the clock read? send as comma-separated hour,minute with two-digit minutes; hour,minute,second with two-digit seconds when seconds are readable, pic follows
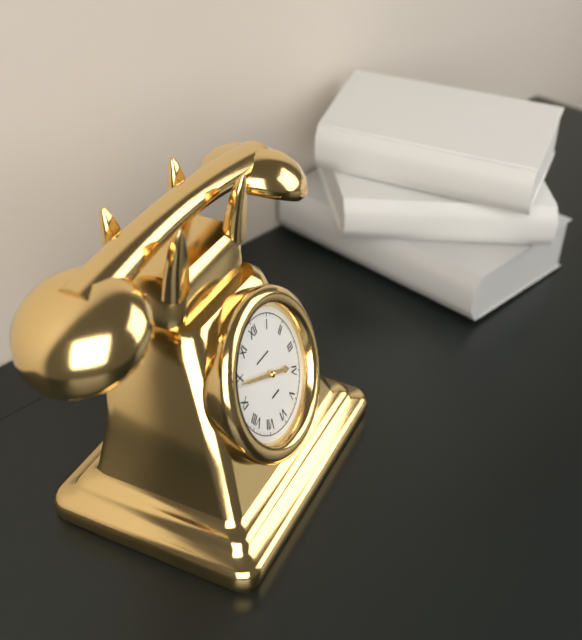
3,49
